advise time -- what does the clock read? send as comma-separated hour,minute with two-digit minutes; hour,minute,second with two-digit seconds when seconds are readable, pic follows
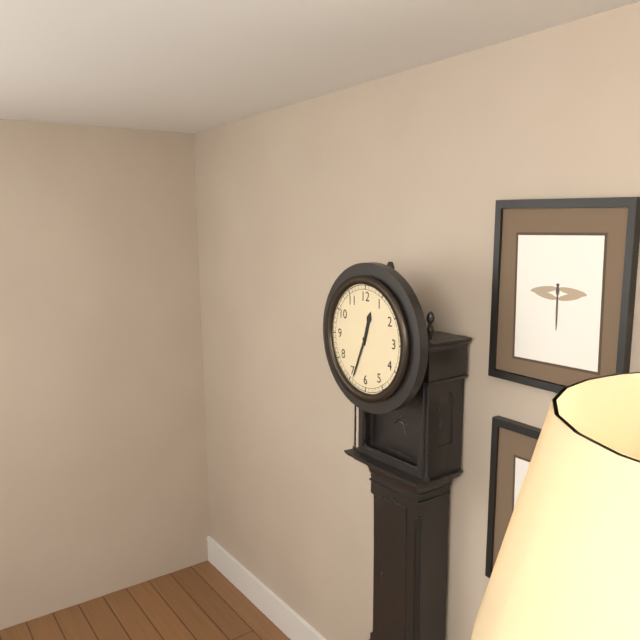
12,34
